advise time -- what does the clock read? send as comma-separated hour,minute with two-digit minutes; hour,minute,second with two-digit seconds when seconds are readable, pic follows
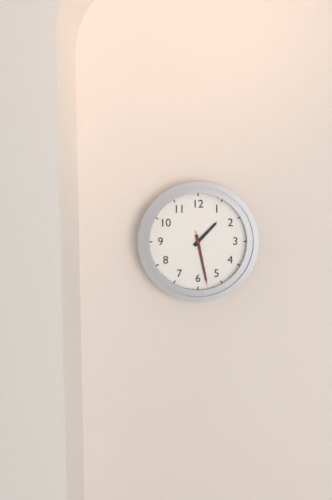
1,28,28
